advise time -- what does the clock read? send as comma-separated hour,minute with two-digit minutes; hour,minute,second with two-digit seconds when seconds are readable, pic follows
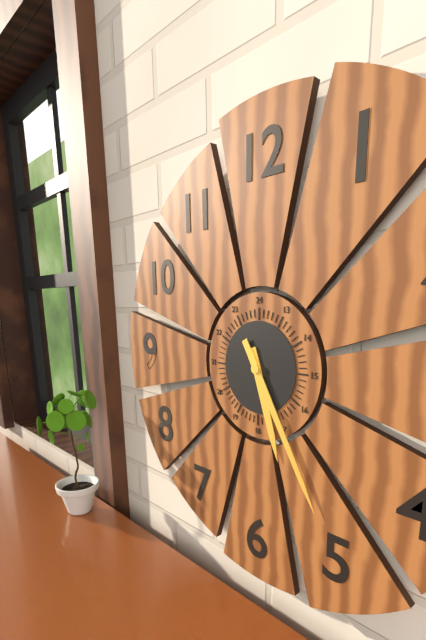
5,25
